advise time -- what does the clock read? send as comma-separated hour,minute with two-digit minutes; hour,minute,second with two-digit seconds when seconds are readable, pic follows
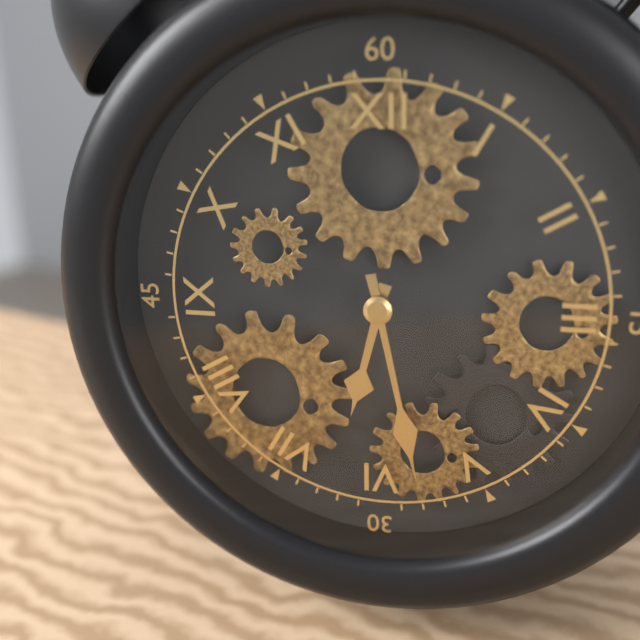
6,28
